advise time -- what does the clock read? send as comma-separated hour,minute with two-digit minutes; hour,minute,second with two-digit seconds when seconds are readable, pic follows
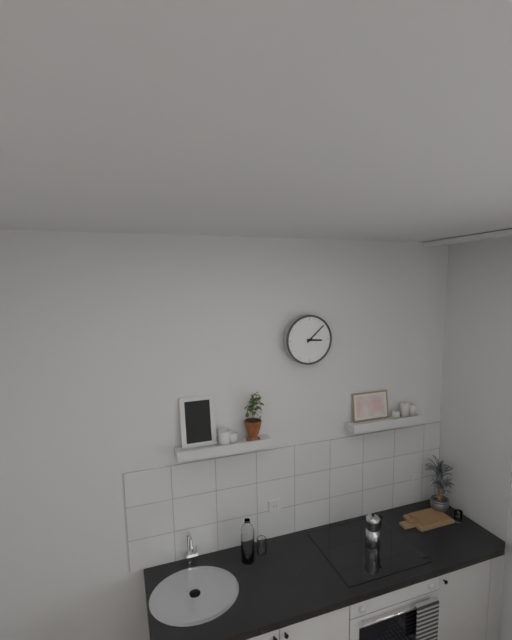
3,08
